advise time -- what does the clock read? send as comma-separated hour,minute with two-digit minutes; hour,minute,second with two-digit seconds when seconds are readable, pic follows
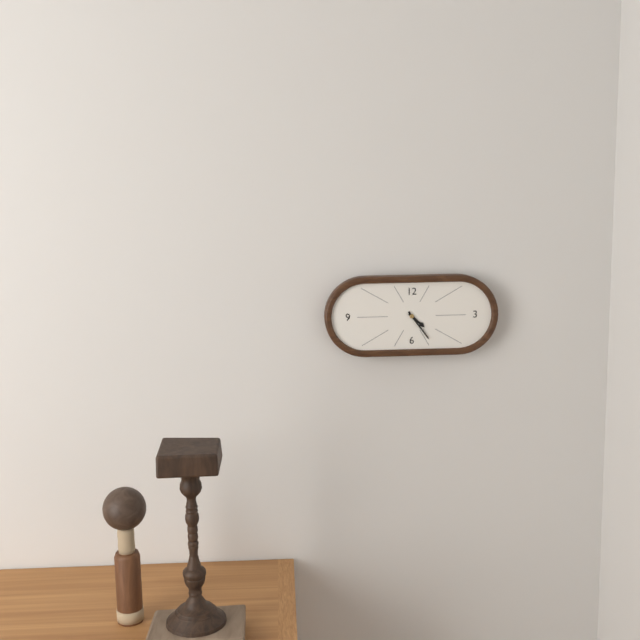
4,24
